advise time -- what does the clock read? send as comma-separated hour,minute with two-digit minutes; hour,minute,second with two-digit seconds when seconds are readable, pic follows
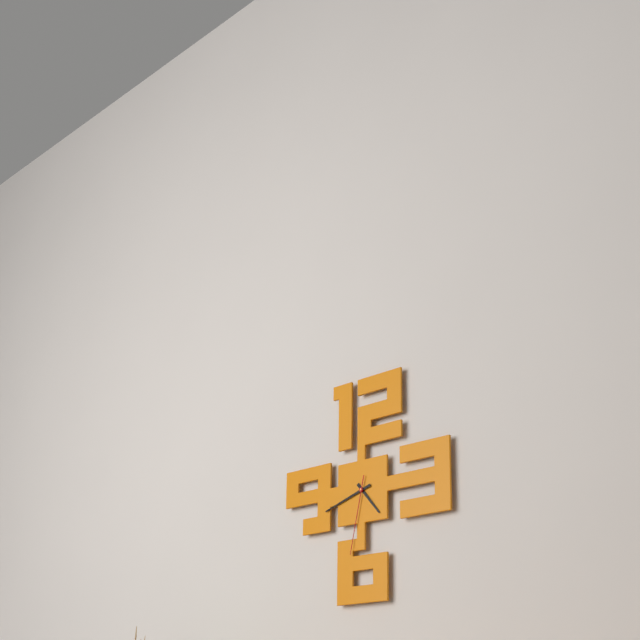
4,42,32
